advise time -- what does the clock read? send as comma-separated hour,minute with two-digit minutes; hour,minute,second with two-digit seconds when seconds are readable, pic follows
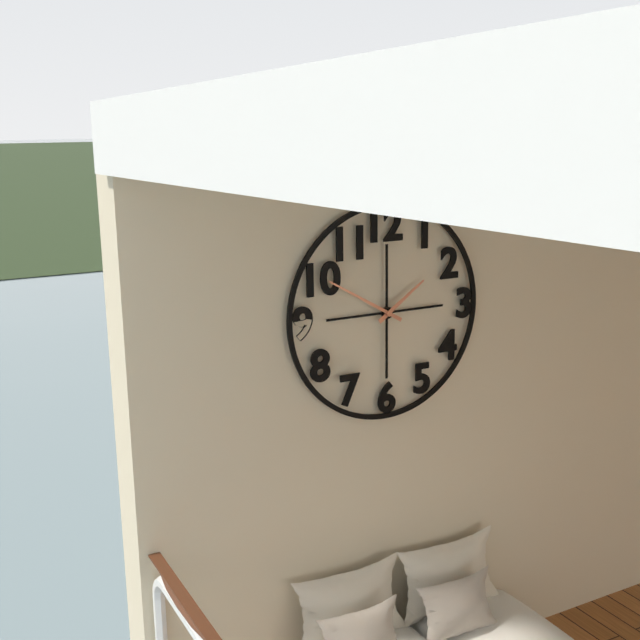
1,50
